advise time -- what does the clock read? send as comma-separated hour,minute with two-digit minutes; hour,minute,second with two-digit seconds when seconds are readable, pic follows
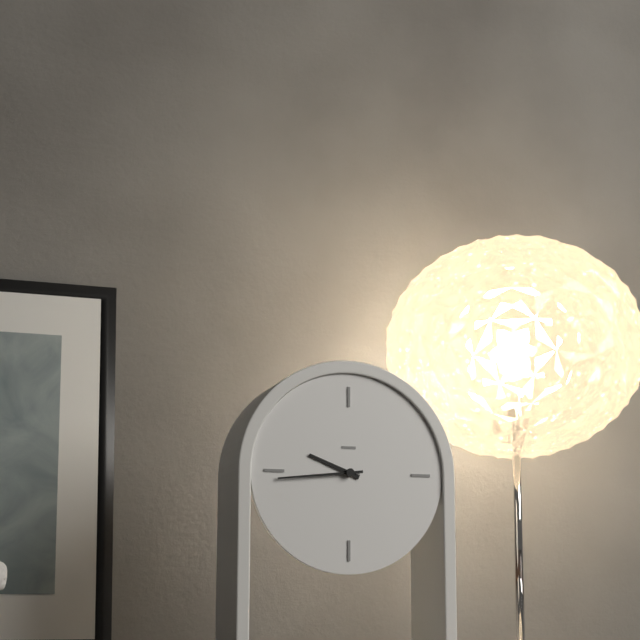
9,44
